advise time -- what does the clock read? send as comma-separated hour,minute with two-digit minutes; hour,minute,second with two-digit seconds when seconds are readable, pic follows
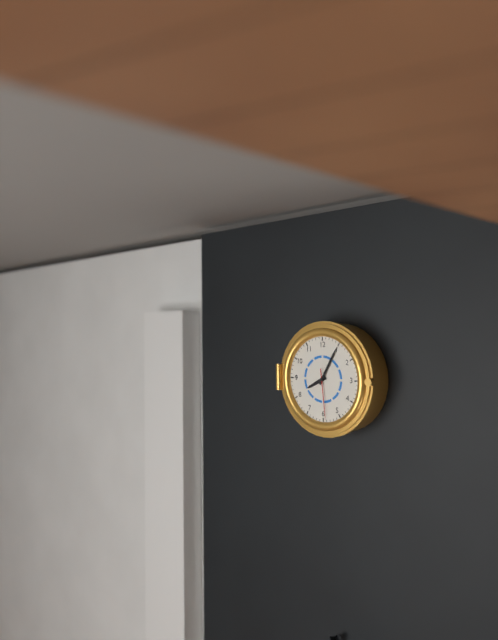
8,05,29
